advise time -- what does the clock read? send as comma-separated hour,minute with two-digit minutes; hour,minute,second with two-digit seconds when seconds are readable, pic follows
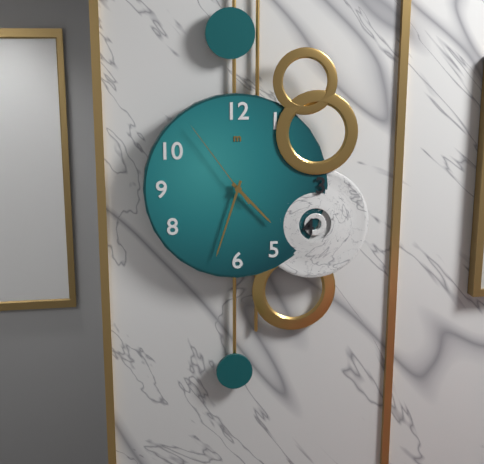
4,33,54
